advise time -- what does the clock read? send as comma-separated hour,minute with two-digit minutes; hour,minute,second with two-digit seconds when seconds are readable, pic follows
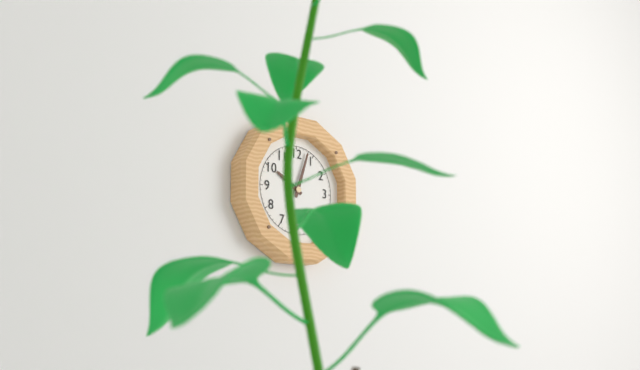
10,03
